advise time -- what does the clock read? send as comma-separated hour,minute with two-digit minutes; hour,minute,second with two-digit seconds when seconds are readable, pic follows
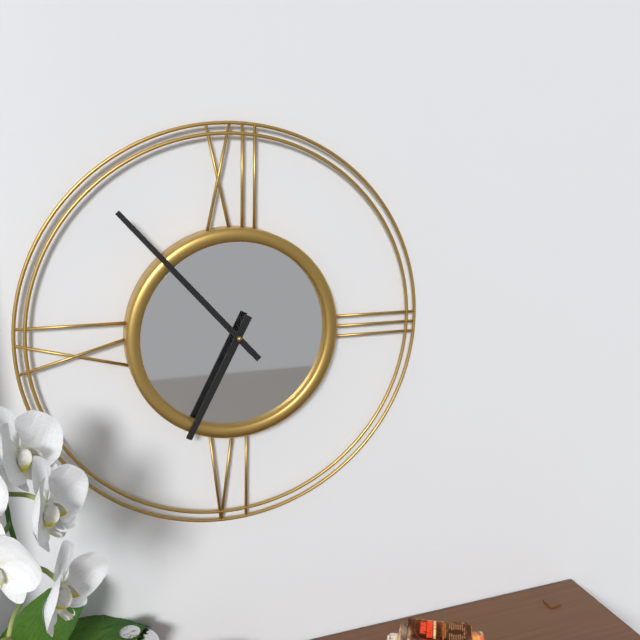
6,53
